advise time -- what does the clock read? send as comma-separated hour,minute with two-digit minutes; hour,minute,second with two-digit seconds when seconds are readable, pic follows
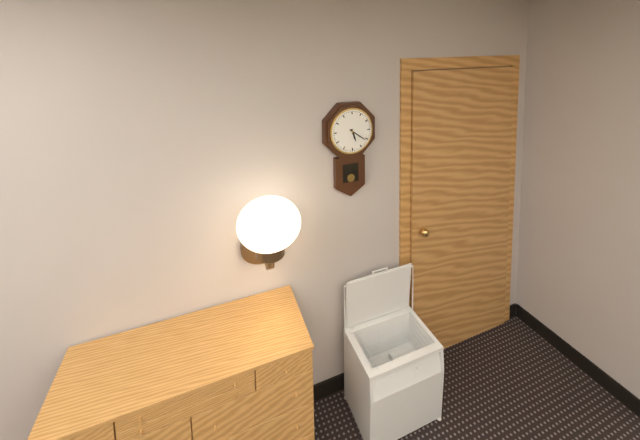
5,21
